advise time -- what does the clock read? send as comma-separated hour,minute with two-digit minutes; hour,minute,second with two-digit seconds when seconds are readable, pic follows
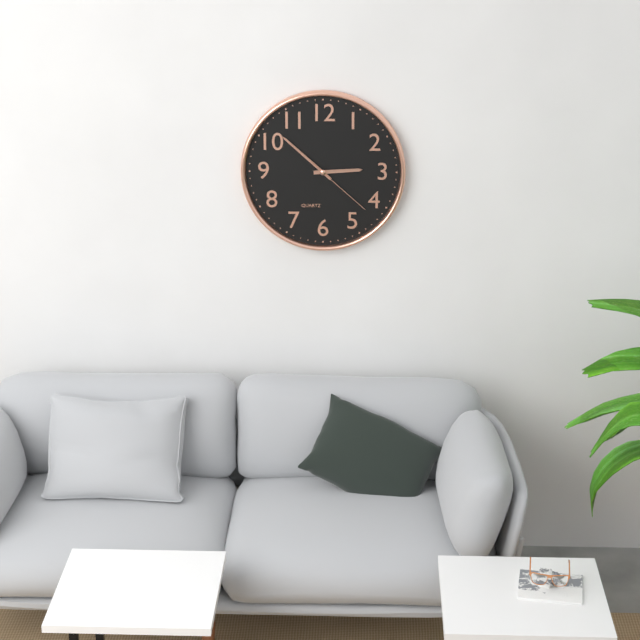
2,52,22
